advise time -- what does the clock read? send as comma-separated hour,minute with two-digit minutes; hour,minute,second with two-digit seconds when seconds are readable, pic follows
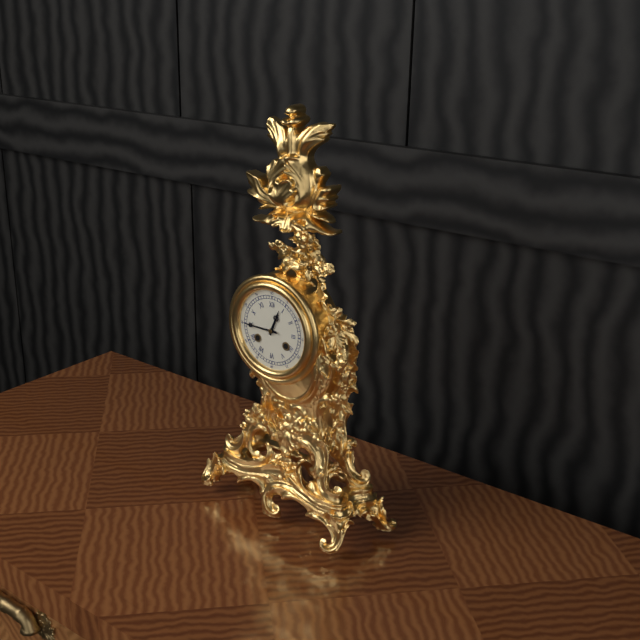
12,45
